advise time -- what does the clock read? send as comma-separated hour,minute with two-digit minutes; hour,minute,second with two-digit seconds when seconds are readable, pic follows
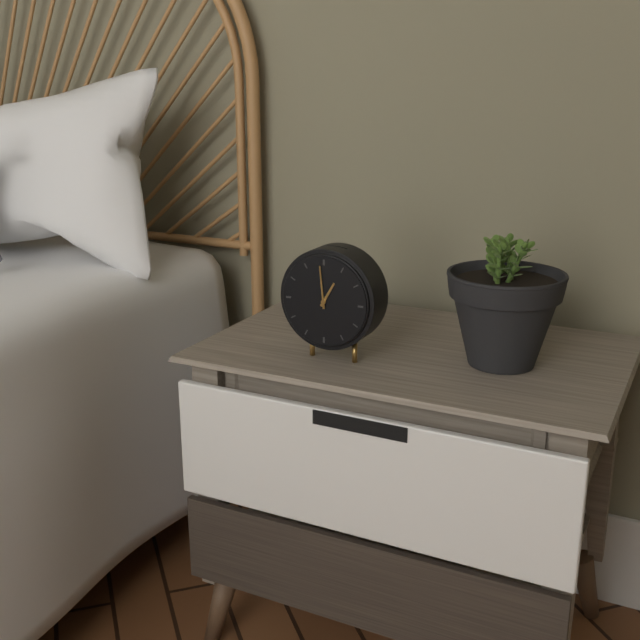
12,59
